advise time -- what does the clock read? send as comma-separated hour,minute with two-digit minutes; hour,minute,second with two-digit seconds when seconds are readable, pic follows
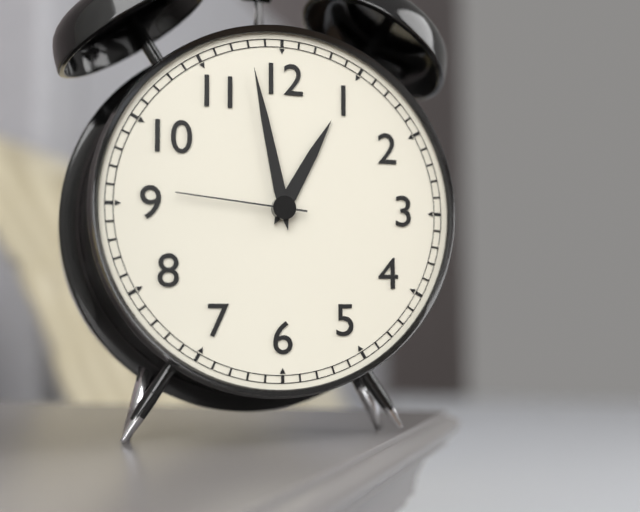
12,58,46
